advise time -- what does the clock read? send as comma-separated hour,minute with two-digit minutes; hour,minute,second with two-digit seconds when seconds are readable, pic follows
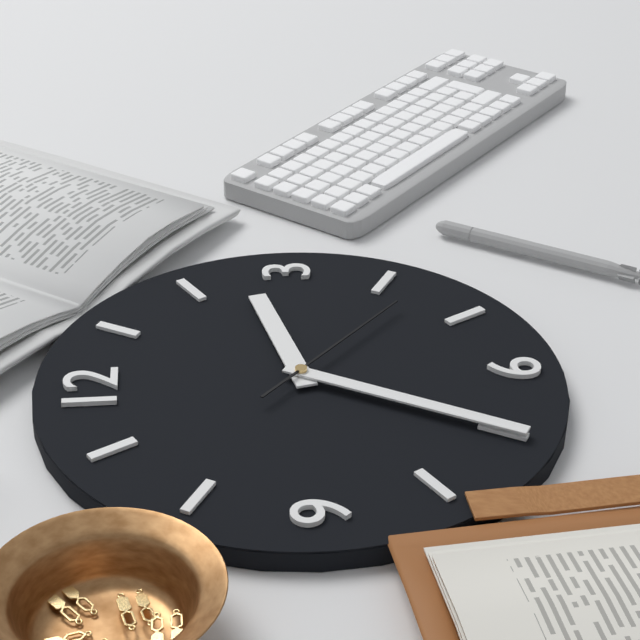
2,35,22
